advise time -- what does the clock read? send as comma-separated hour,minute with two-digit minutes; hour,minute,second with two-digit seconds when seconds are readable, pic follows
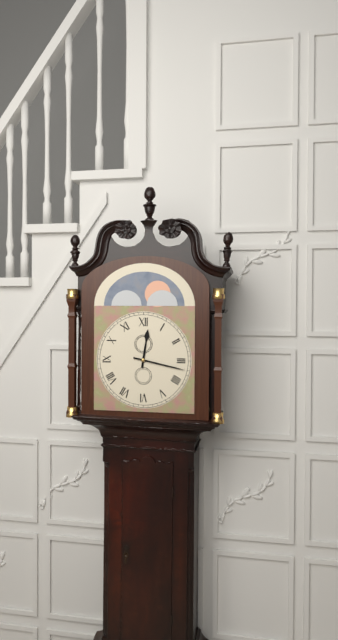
12,17
